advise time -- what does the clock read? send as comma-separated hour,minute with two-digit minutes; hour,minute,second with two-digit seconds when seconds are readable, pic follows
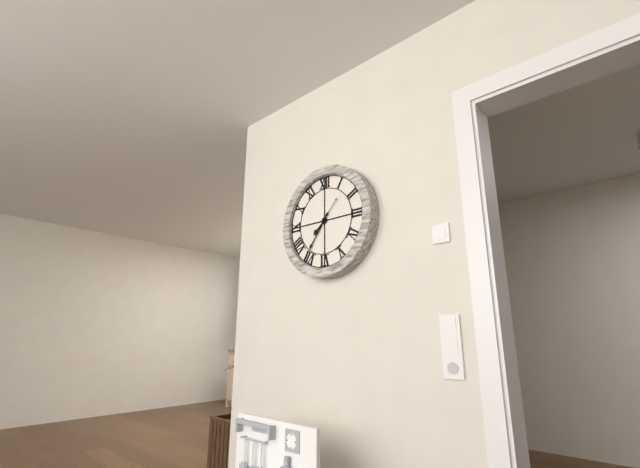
7,36
